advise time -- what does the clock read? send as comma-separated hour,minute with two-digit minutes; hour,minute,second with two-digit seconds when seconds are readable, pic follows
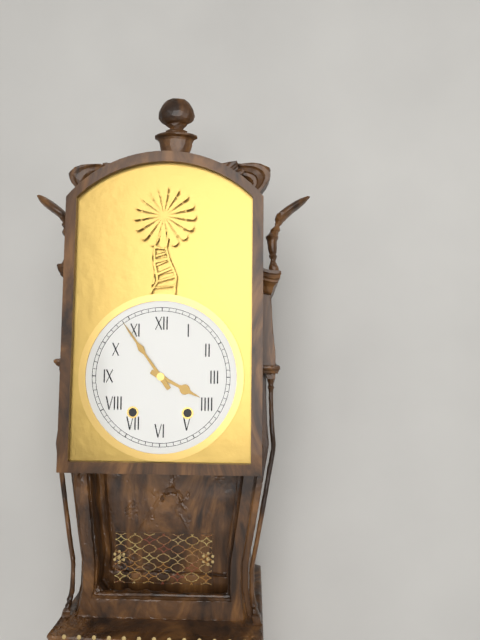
3,54
